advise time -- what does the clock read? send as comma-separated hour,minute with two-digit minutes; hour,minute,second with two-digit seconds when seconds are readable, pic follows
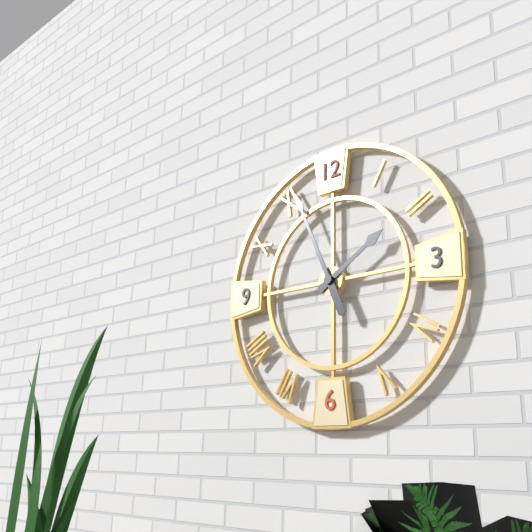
1,56
